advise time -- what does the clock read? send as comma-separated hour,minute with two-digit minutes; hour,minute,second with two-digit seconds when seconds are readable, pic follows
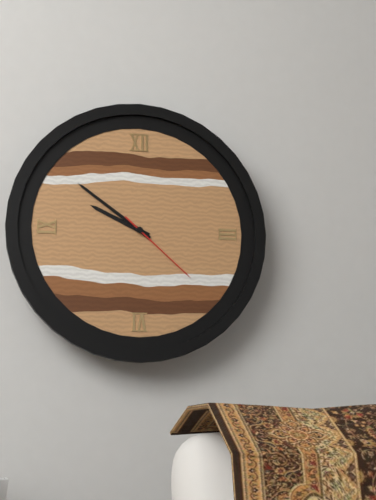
9,51,22
